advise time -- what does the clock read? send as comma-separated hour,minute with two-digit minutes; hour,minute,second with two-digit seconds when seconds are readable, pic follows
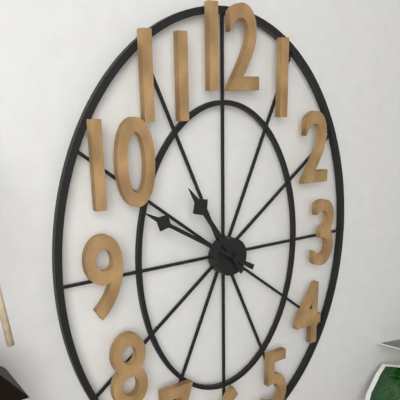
10,50
